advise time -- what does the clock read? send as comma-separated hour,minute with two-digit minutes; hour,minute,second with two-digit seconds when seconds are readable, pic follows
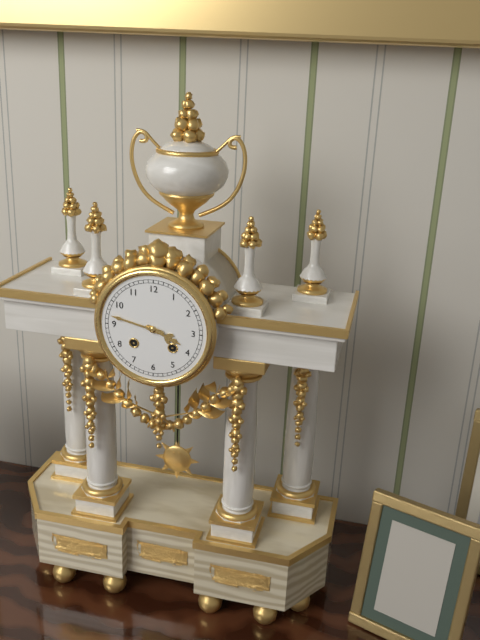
3,47
